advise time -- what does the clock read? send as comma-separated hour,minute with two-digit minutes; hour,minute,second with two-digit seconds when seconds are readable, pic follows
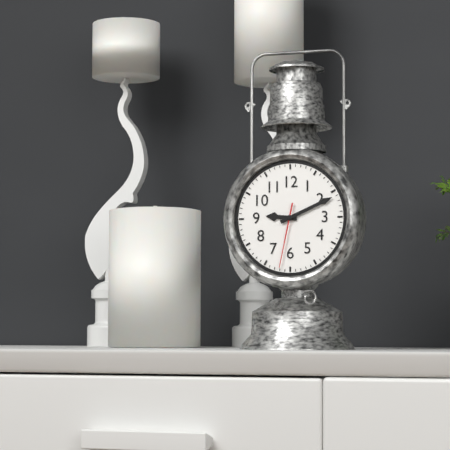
9,11,32
